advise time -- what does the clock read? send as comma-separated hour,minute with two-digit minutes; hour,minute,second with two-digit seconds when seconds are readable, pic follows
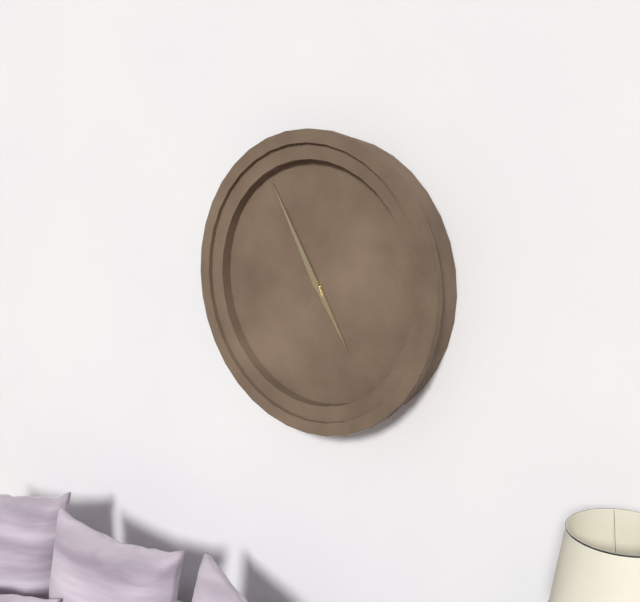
4,55
